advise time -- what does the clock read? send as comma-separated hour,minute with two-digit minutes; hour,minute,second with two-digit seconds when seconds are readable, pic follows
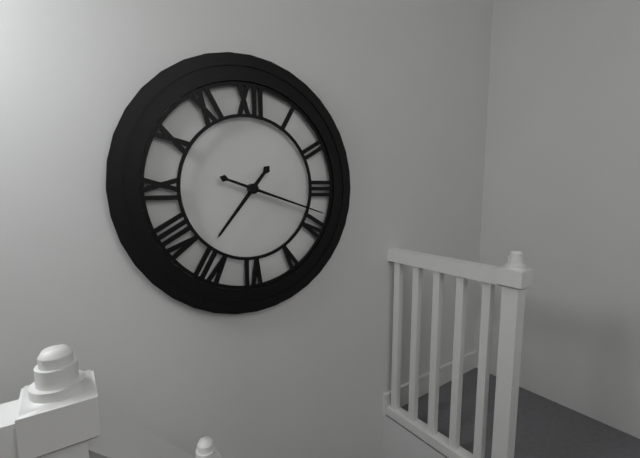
7,18
